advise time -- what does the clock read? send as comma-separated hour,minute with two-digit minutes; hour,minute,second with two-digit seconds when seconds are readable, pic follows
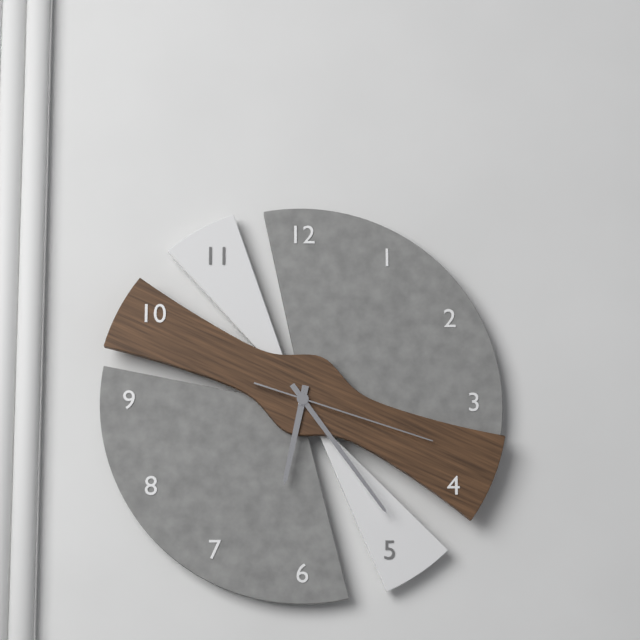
6,24,18
